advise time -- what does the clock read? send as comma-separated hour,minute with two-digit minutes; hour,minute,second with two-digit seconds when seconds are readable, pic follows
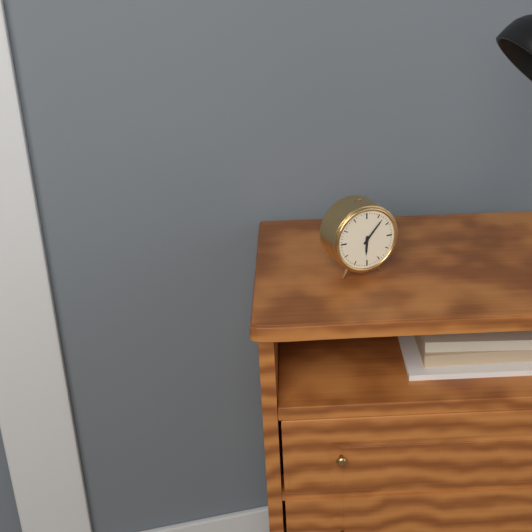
6,07
